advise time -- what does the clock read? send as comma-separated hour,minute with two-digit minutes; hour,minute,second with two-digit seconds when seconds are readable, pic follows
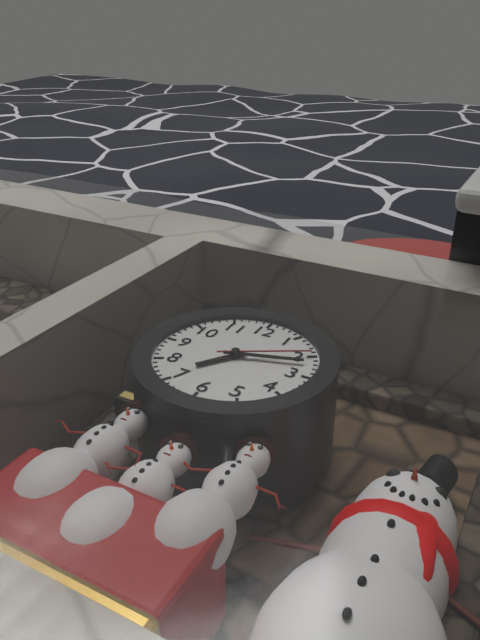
7,12,10
